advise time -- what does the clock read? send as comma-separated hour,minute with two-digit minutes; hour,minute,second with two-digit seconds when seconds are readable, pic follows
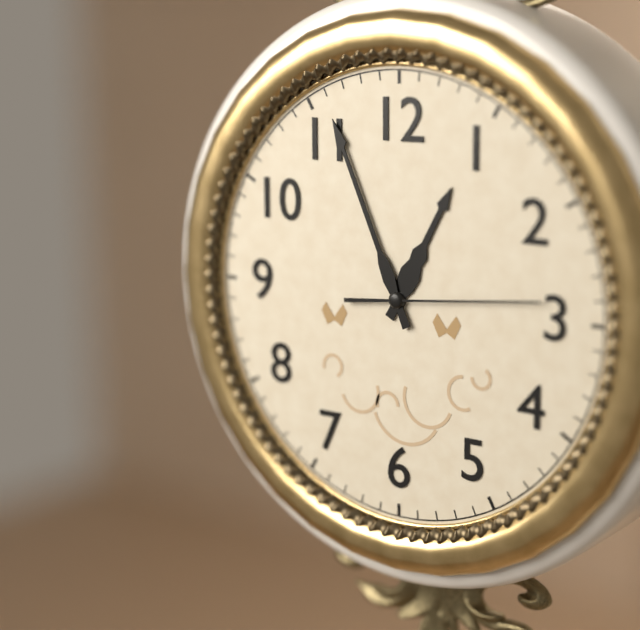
12,56,14
